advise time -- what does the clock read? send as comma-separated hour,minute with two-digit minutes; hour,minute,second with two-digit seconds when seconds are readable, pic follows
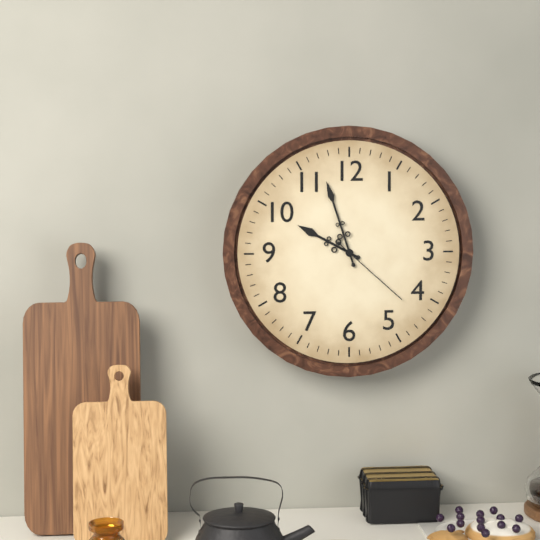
9,57,22
